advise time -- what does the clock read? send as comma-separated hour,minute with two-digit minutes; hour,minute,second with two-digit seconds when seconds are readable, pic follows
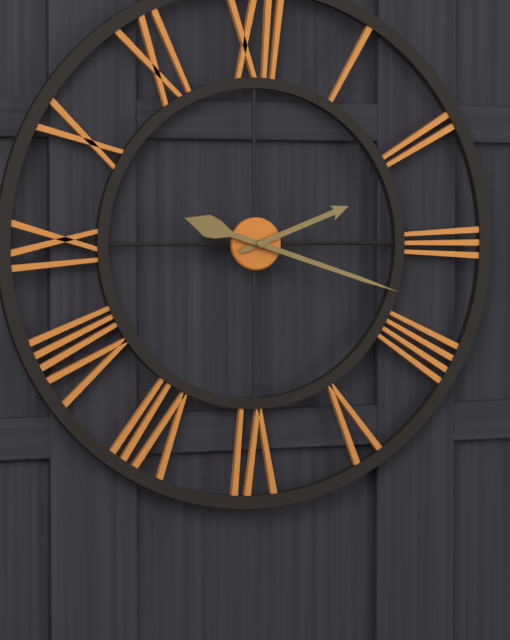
2,18
